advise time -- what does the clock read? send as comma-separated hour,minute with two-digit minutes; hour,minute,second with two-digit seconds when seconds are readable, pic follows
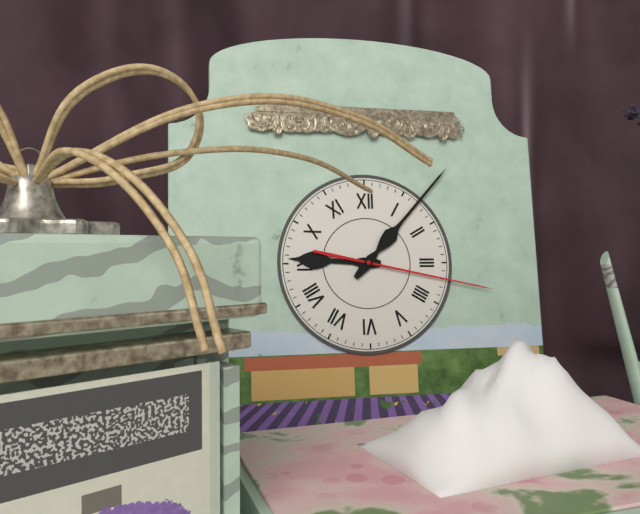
9,07,17
